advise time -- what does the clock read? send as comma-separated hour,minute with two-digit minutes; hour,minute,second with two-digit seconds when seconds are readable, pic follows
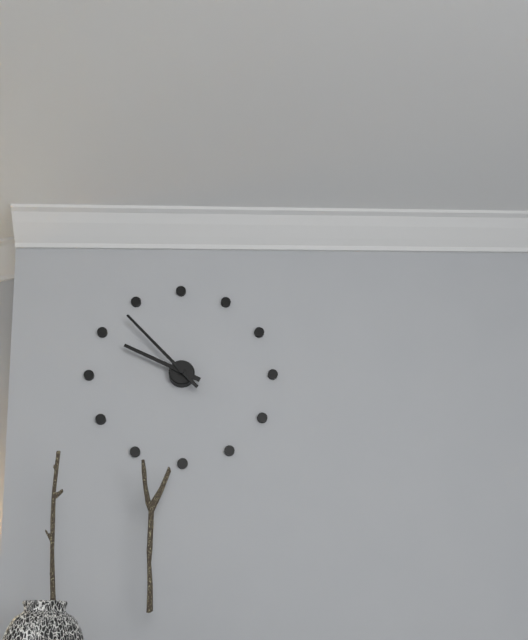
9,53
